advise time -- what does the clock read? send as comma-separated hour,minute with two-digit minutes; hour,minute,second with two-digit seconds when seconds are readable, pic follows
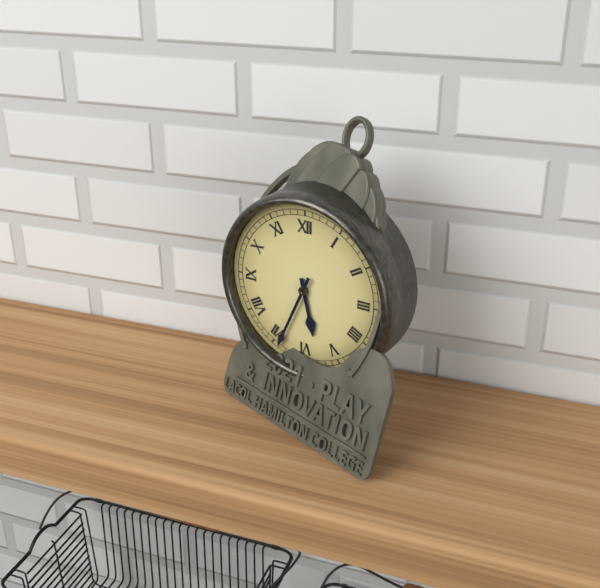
5,34
